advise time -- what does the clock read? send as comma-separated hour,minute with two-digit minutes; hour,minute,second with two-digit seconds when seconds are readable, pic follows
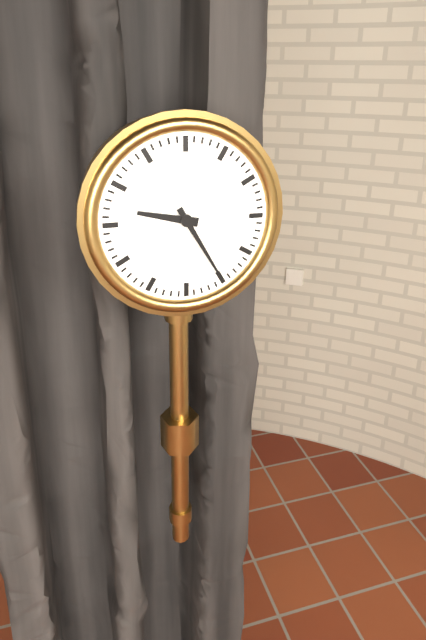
9,25
